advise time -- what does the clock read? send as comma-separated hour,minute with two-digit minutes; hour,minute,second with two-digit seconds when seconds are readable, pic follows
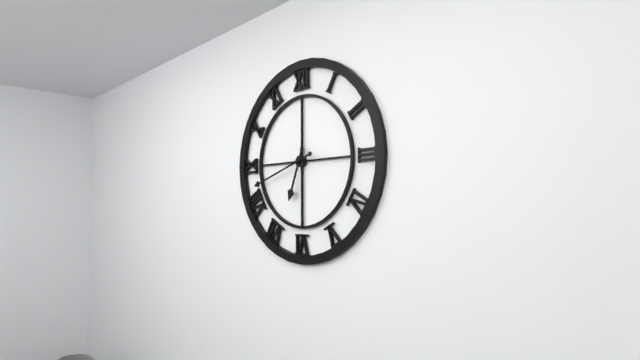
6,42
